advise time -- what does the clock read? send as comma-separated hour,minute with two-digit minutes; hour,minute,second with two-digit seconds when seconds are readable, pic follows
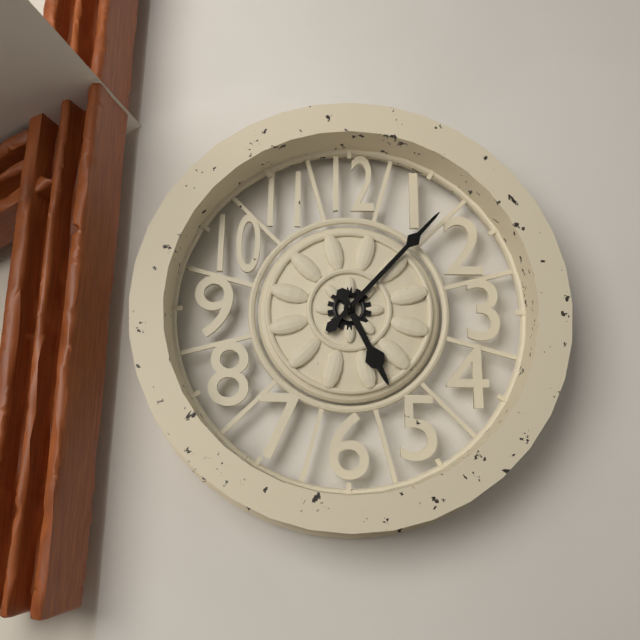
5,07
